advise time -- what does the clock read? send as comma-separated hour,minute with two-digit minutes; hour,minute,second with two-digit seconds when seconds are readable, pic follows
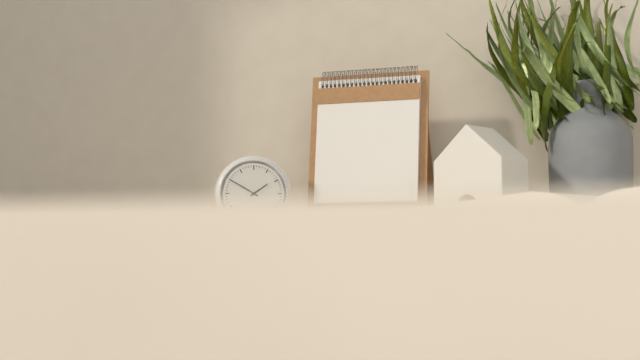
1,50
